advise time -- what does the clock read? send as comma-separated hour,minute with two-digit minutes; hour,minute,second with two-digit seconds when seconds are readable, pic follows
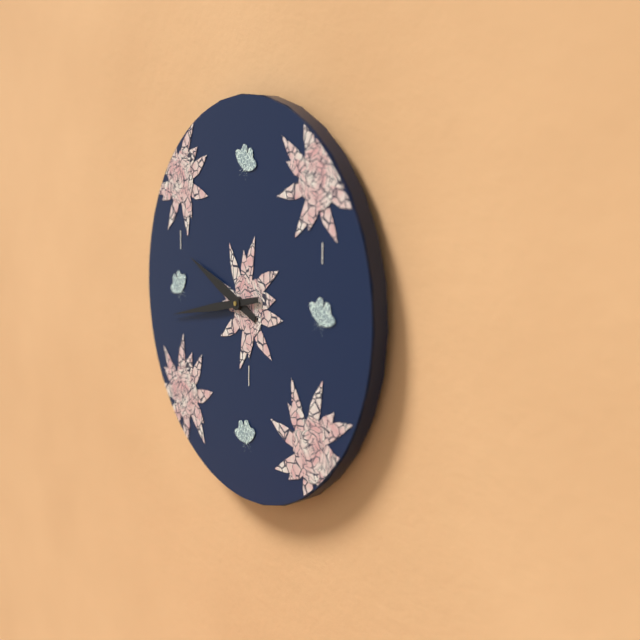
9,43
